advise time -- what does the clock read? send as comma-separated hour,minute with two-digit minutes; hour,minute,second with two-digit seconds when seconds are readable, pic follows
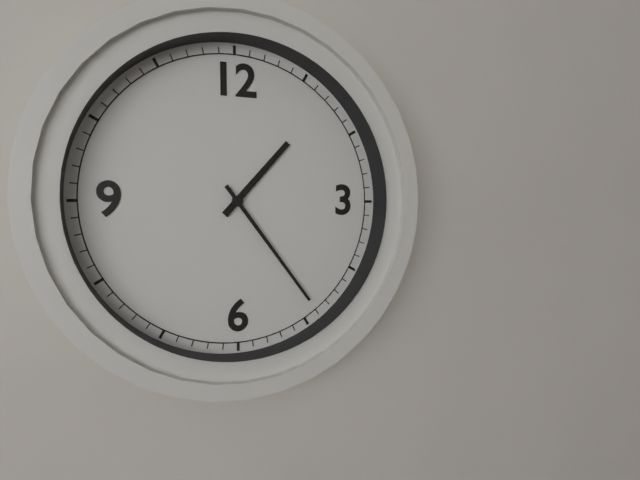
1,24
